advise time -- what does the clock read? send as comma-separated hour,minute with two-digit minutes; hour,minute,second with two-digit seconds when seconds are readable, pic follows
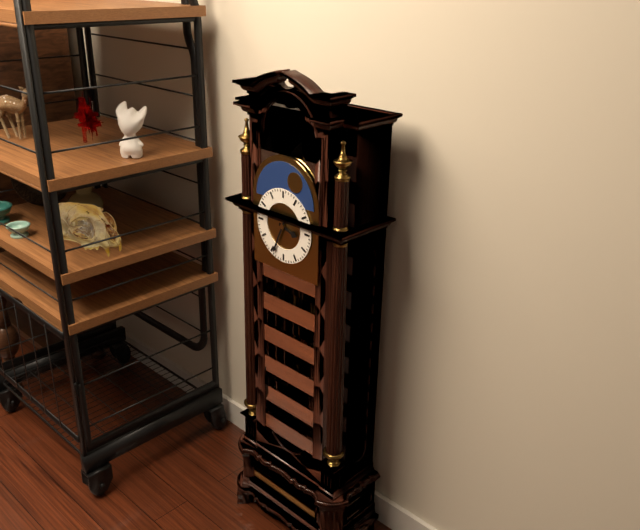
3,34
